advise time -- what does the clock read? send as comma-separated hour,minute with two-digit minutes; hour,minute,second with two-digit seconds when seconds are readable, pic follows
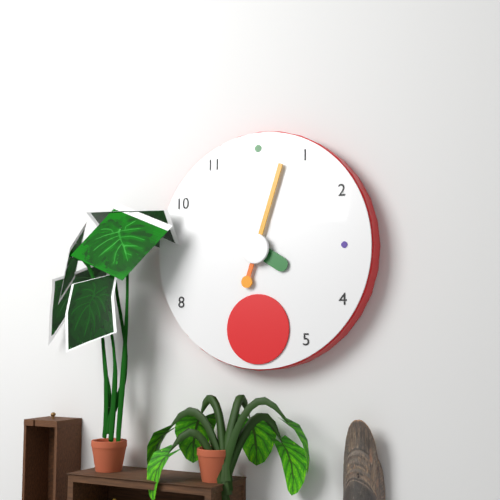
4,03
